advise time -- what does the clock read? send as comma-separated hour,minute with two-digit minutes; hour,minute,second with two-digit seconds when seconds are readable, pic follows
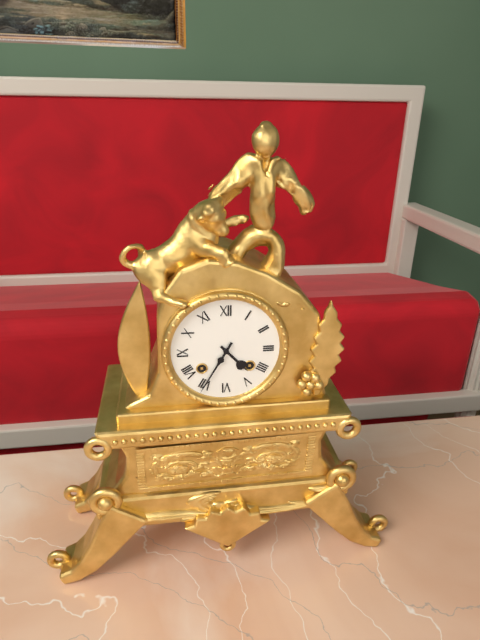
4,35
